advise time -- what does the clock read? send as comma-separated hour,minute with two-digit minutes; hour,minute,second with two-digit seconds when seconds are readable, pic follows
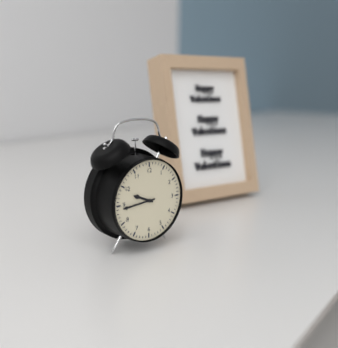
9,44
